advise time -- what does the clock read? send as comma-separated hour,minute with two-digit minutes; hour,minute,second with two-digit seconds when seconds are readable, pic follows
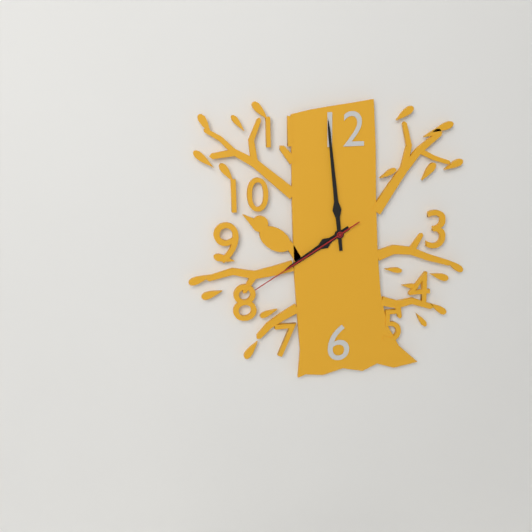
7,59,40
